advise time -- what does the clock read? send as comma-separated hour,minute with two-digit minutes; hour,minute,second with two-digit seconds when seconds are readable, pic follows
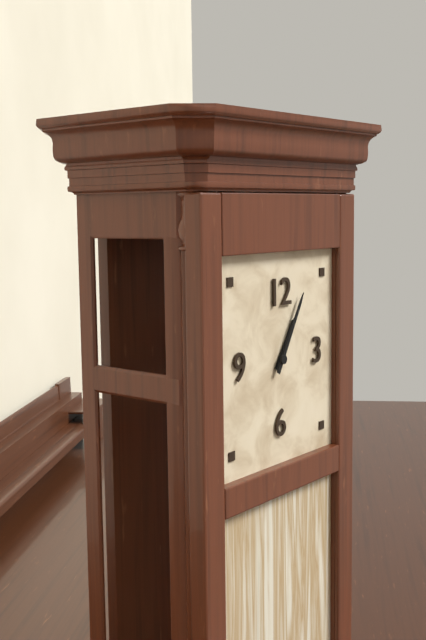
1,05
